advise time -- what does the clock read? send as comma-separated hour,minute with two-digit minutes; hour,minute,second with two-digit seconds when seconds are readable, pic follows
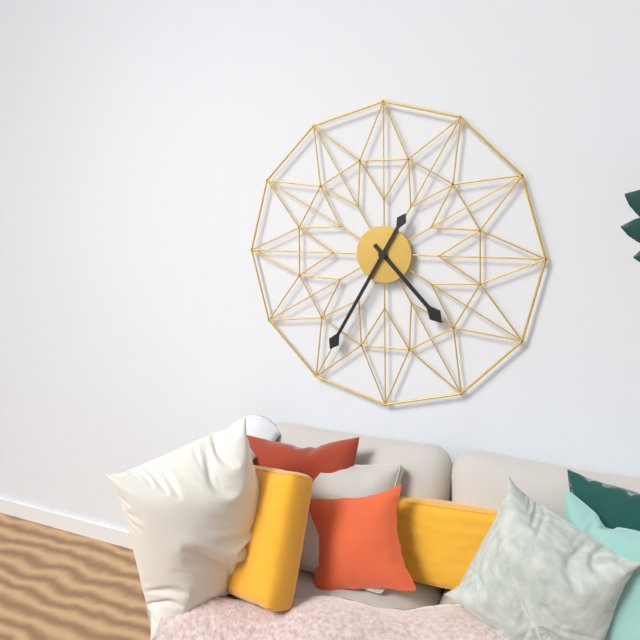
4,35
